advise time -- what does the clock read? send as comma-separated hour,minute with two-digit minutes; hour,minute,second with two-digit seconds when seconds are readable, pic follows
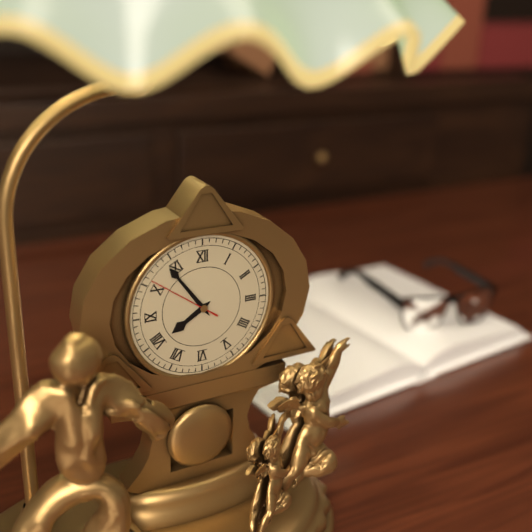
7,54,51
